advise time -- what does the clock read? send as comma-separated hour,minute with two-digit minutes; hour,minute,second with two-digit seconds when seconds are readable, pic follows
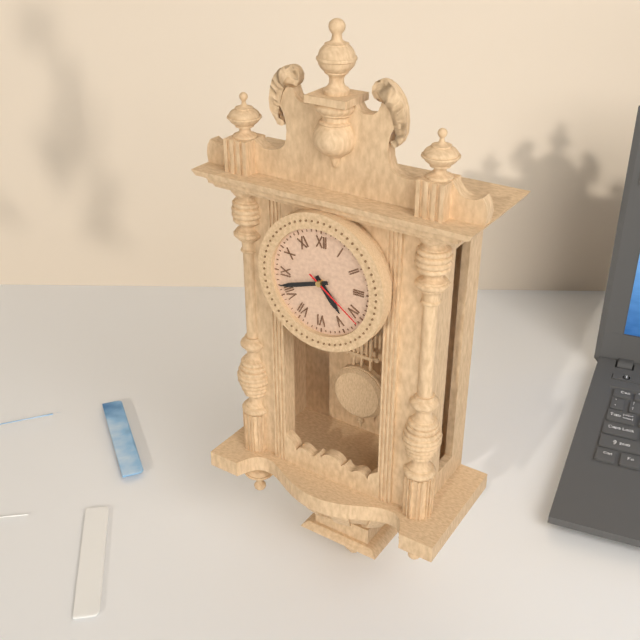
4,42,21
